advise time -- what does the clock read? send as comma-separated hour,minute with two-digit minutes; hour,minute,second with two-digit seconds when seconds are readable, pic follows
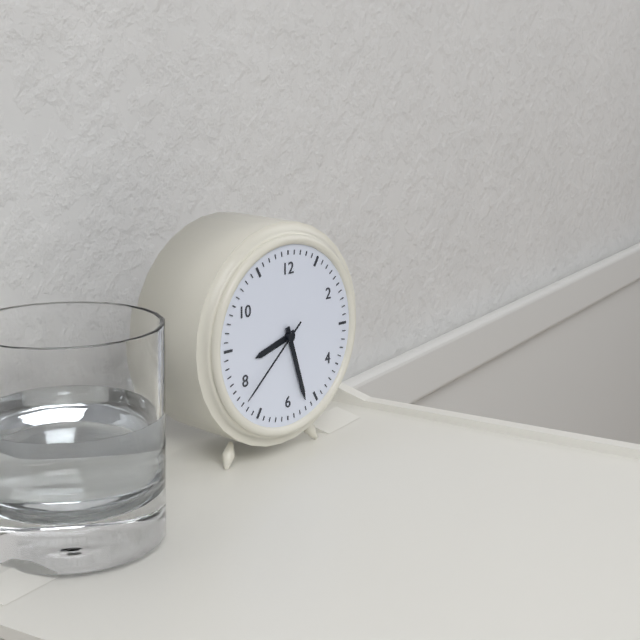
8,27,38
